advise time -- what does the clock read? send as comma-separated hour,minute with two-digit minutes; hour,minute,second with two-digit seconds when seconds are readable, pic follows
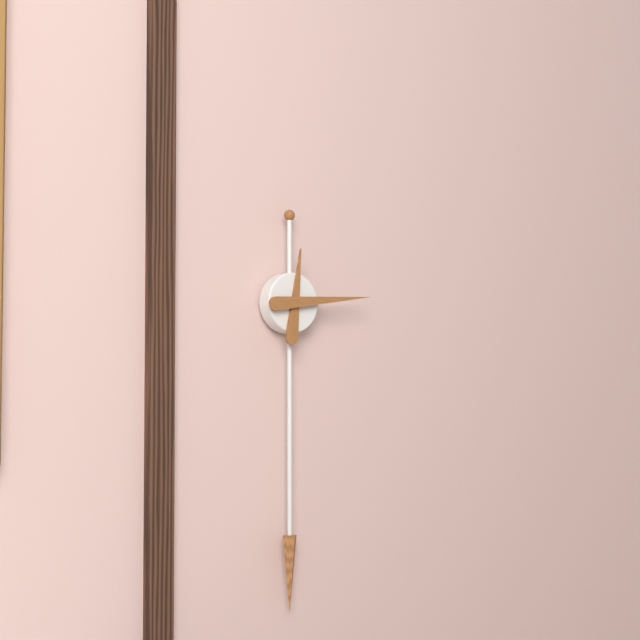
12,14
